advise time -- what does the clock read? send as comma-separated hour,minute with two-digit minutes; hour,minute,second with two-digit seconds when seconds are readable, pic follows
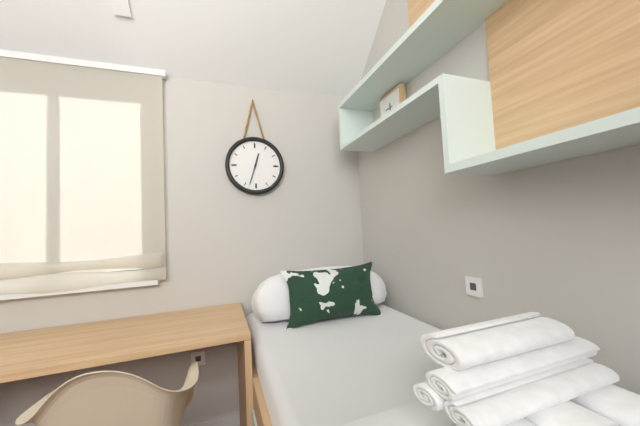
12,33
